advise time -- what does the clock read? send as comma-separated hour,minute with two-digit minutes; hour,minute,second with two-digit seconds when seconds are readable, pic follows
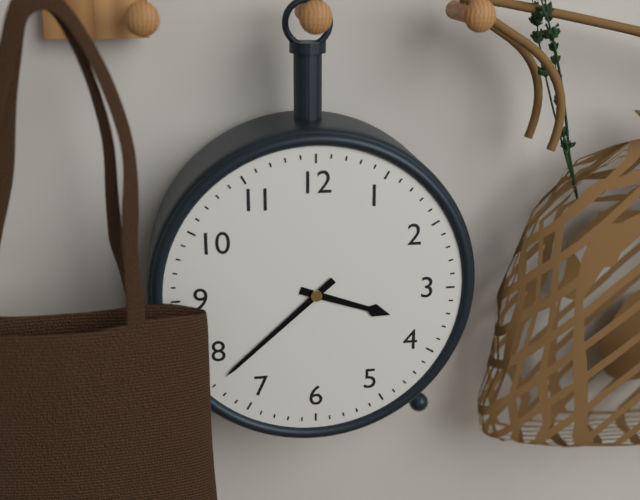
3,38
